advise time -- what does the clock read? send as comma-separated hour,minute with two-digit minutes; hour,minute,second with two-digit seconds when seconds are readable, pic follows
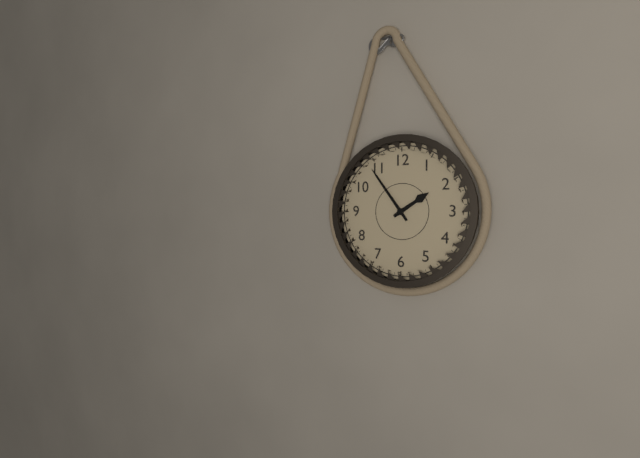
1,54
